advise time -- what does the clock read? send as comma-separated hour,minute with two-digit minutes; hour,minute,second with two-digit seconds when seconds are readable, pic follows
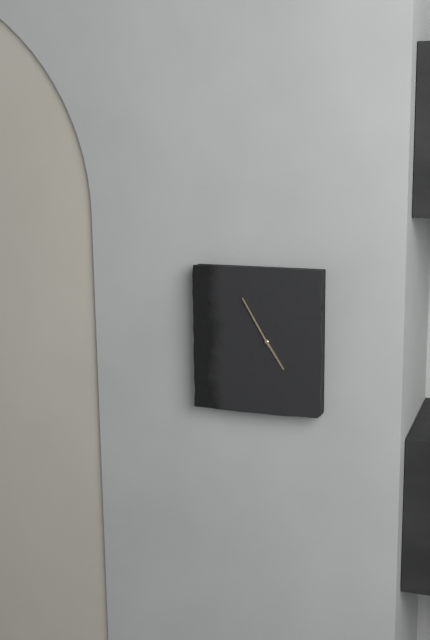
4,55
